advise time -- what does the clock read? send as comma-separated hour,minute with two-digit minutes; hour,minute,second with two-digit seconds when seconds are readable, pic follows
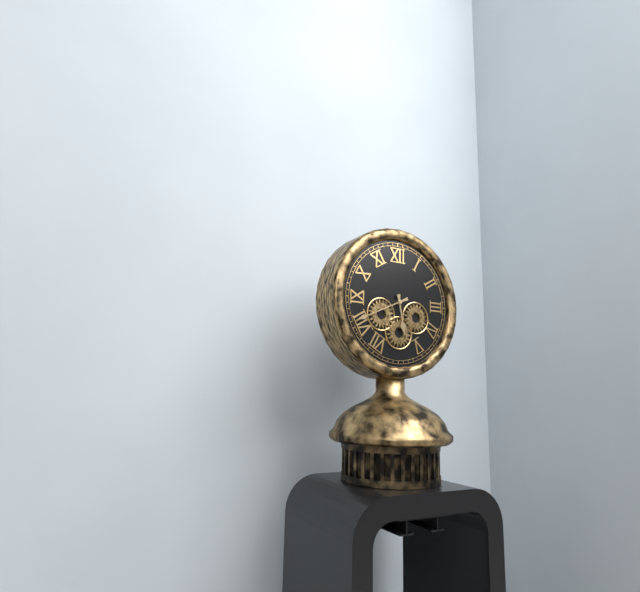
5,41
